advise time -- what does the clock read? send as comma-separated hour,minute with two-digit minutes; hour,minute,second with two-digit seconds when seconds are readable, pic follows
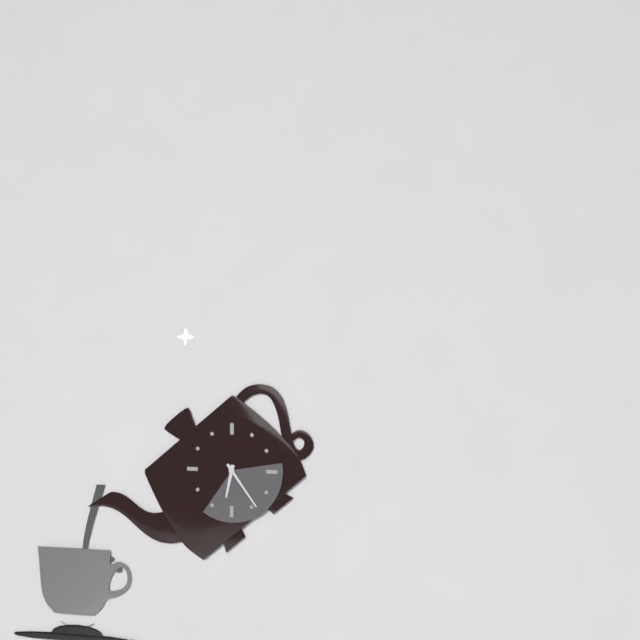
6,24
